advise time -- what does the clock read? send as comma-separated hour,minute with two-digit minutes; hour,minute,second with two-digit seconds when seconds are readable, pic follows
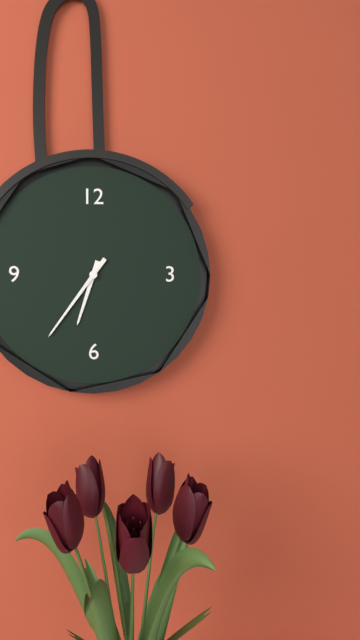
6,36
